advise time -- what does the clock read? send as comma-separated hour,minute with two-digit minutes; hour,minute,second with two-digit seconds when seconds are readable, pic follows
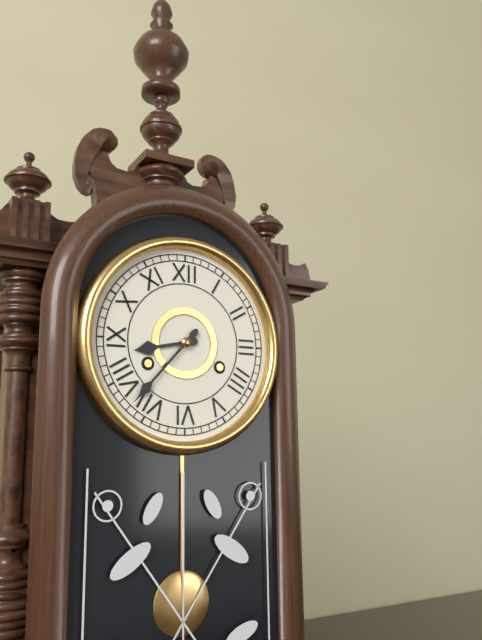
8,37
